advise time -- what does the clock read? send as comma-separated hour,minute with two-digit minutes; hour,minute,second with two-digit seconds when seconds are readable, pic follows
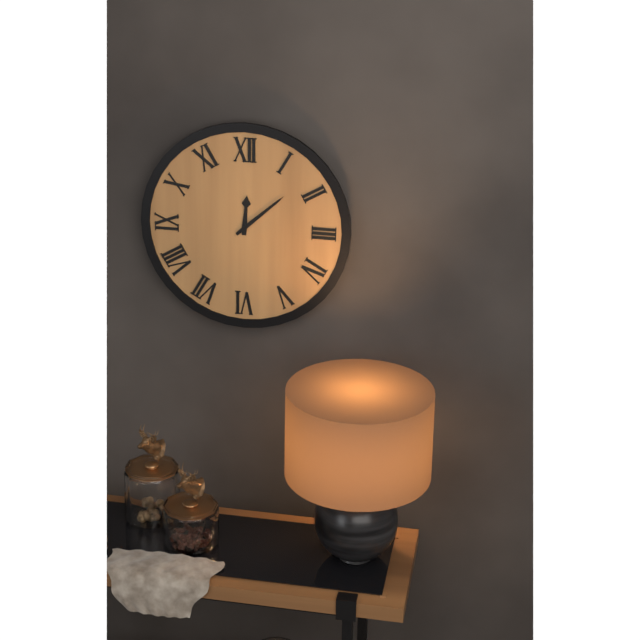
12,08
